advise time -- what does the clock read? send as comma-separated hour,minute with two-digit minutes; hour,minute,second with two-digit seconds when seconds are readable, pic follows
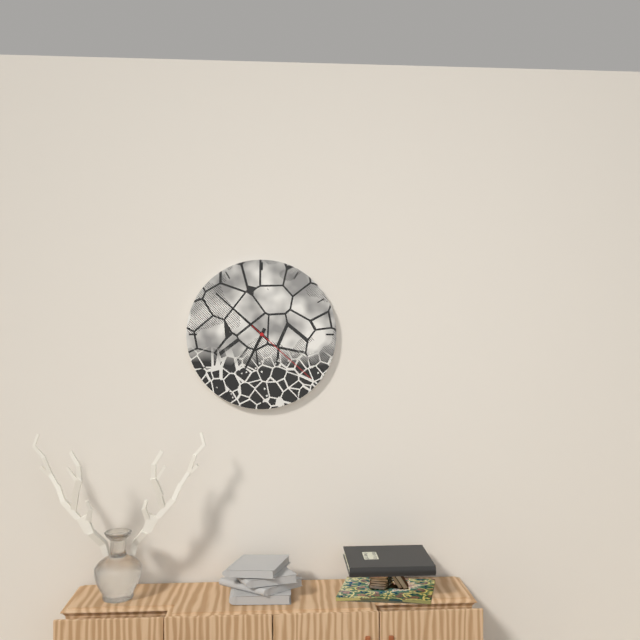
6,52,22
